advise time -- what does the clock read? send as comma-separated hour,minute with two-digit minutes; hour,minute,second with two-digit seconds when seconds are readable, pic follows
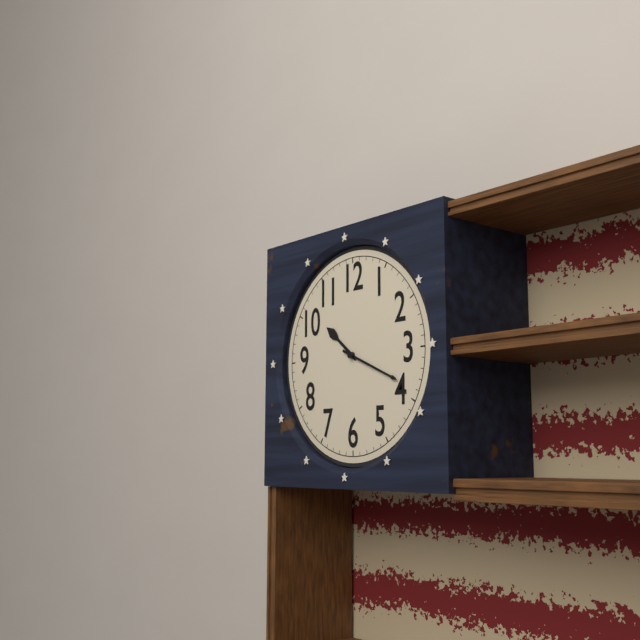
10,19
